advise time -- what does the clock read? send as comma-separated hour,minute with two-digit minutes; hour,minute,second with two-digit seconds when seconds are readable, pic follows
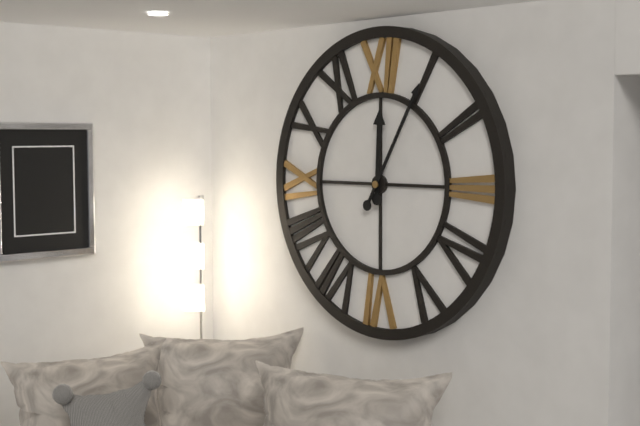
12,05
